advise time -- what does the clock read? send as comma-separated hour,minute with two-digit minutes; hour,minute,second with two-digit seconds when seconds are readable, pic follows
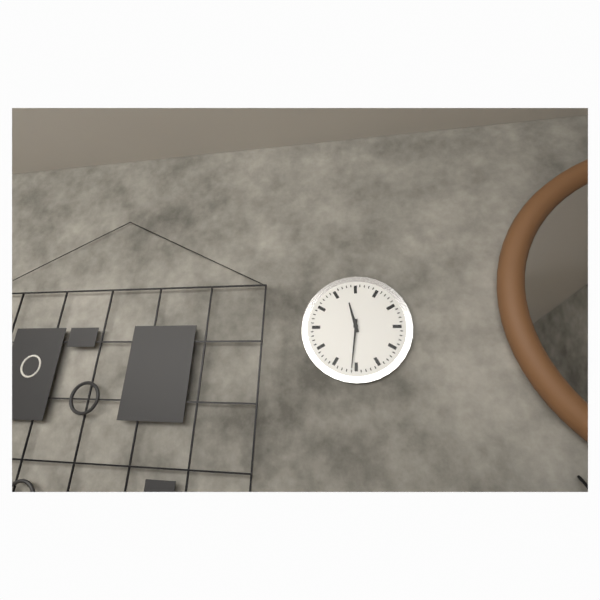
11,31
